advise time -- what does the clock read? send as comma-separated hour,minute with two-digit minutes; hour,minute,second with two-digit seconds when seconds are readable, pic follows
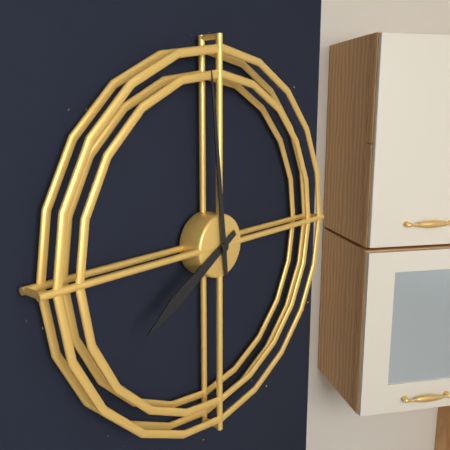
7,59
